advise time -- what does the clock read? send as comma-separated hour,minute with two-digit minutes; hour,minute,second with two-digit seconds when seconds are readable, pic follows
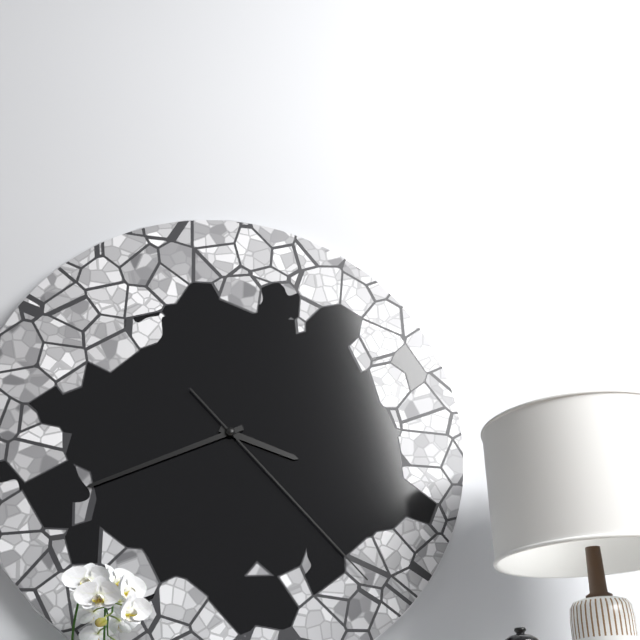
3,41,23
